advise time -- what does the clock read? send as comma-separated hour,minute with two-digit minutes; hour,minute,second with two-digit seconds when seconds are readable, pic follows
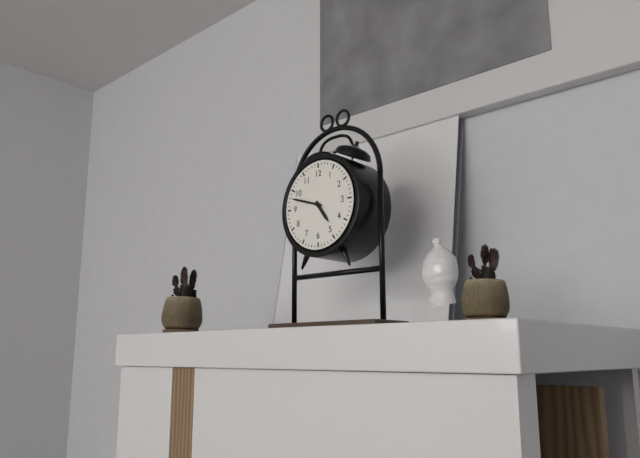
4,48
